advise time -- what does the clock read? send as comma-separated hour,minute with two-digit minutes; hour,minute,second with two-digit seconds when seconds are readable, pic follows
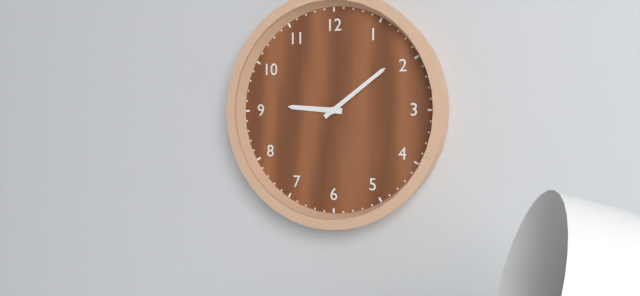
9,09
